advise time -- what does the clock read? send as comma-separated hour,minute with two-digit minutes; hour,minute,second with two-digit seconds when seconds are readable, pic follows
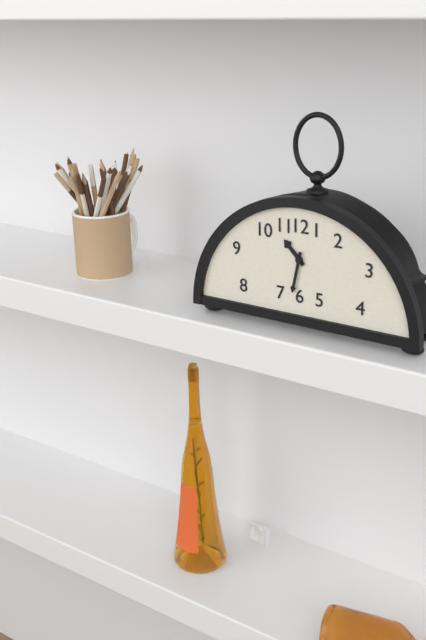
10,32
